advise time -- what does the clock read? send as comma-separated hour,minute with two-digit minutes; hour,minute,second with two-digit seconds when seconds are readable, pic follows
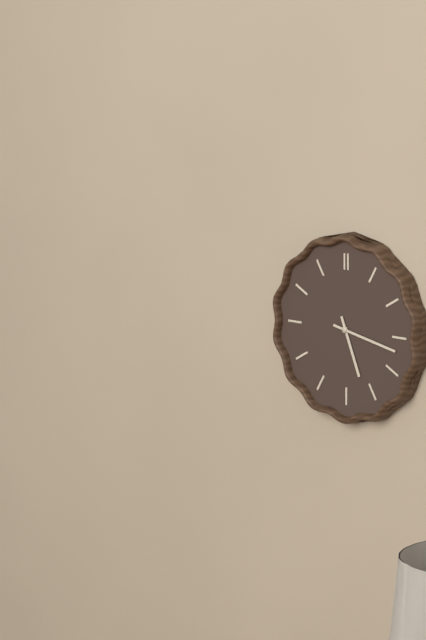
5,17
